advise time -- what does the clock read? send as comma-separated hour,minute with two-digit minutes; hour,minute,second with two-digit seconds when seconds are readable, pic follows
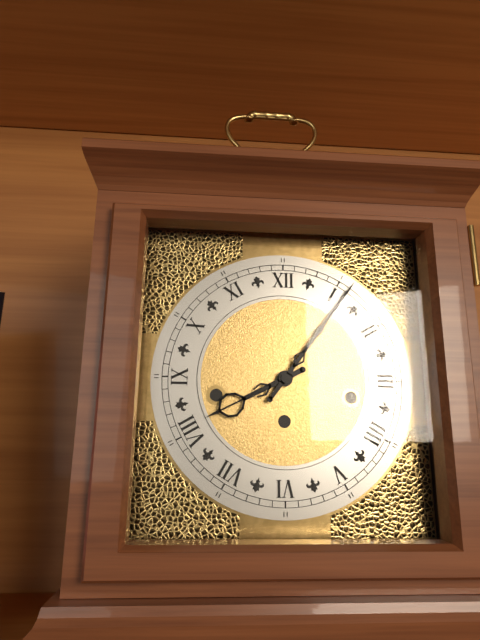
8,06
